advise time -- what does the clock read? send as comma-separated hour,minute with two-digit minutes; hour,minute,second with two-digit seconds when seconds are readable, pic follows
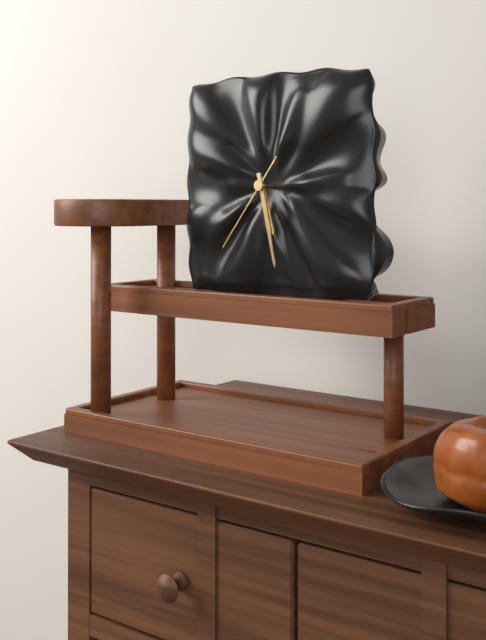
5,28,36
